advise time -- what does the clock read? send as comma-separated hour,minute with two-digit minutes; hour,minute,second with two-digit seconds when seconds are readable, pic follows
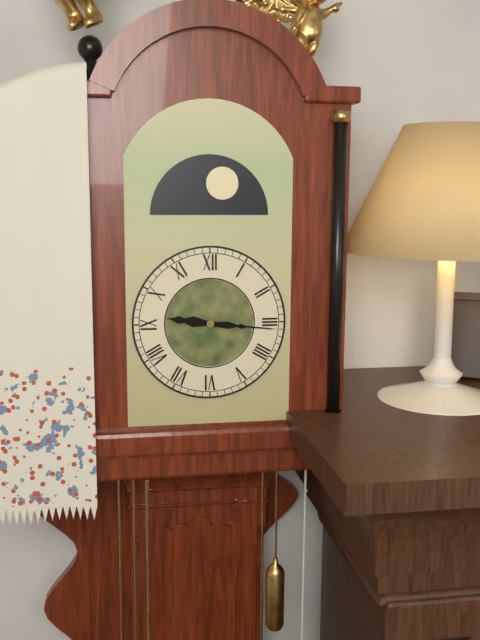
9,16
